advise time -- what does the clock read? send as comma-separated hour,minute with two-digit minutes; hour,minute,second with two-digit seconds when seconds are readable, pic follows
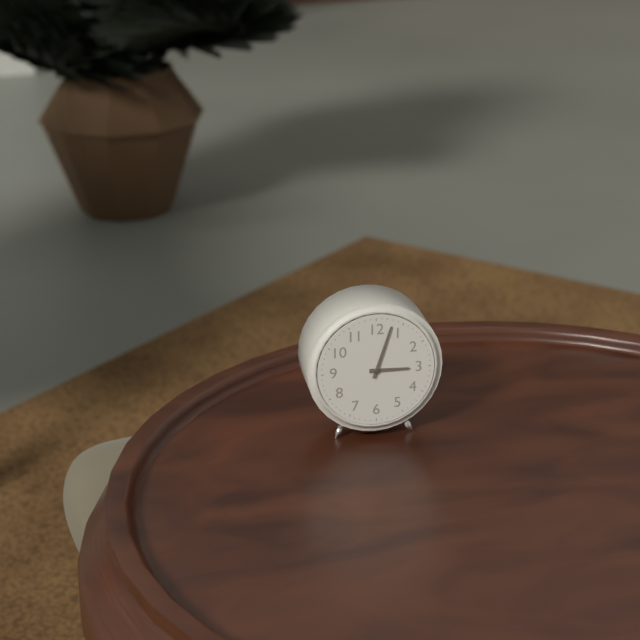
3,03
